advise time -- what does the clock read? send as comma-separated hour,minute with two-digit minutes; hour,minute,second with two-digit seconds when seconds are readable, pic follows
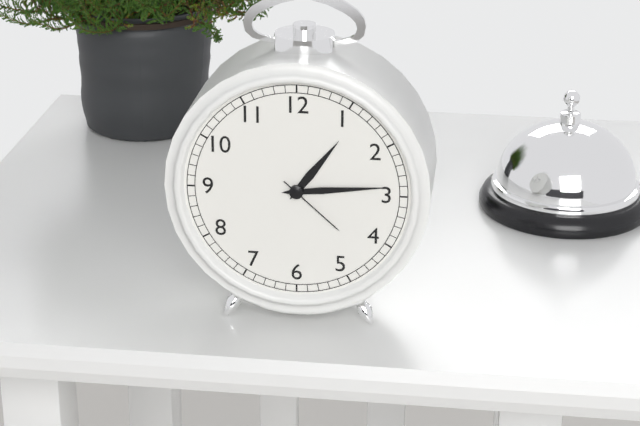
1,14,22
